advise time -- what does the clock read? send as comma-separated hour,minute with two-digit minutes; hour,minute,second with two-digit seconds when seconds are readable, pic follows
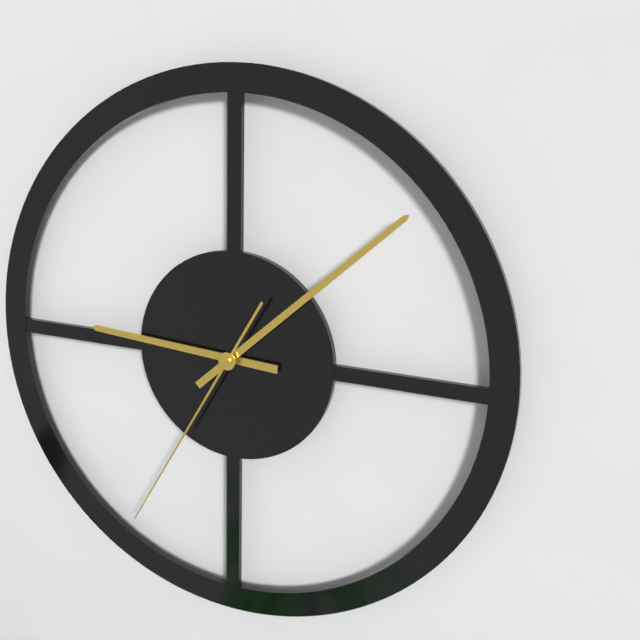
9,08,35
